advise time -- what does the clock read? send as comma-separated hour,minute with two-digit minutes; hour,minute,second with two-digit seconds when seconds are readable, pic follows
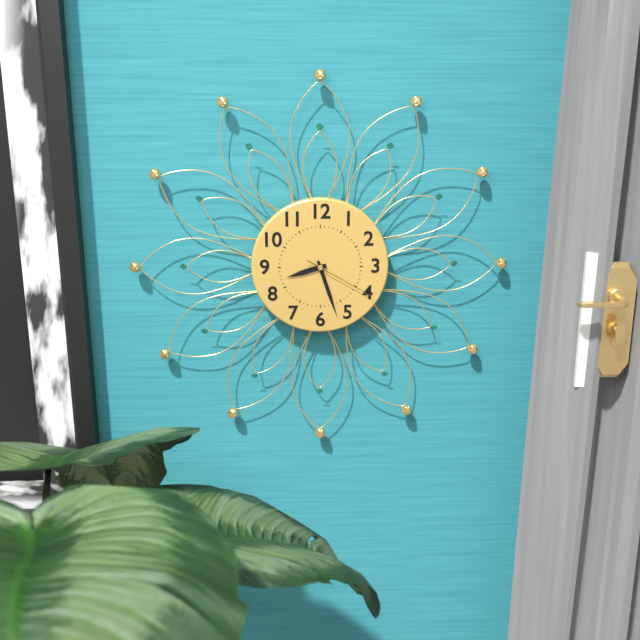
8,27,20
